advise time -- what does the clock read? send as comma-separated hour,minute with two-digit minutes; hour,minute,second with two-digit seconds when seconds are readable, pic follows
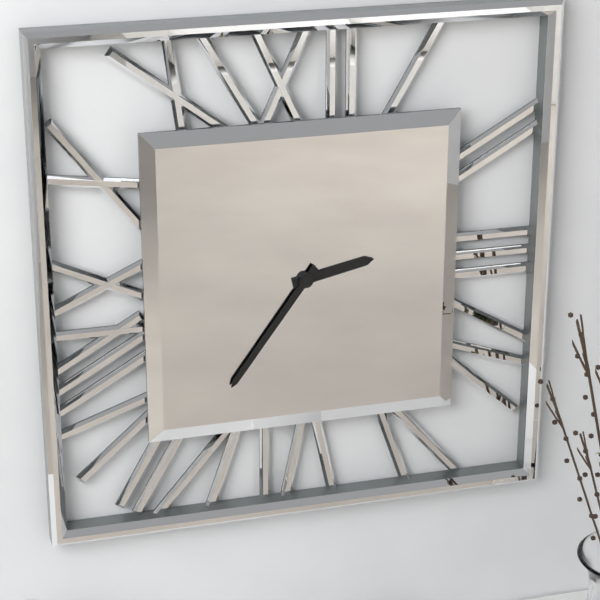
2,36
